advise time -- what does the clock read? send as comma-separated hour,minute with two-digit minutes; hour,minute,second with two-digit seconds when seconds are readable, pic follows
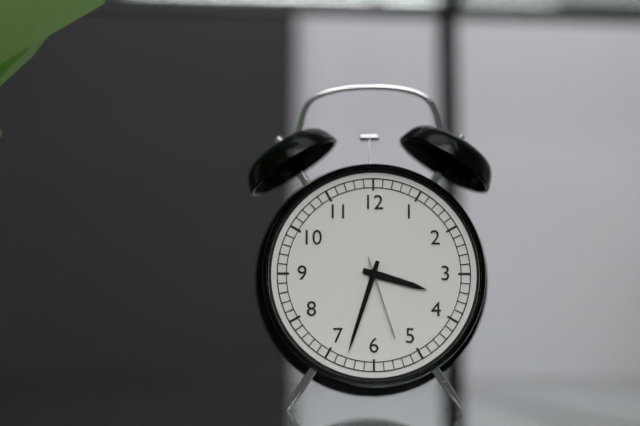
3,33,27
